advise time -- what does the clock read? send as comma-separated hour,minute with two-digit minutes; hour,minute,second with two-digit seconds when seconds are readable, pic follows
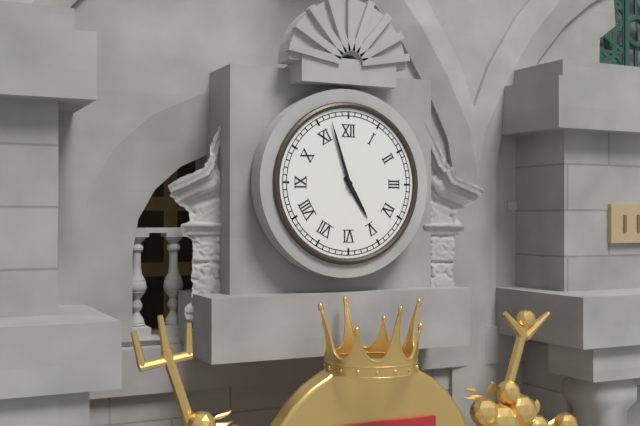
4,57
